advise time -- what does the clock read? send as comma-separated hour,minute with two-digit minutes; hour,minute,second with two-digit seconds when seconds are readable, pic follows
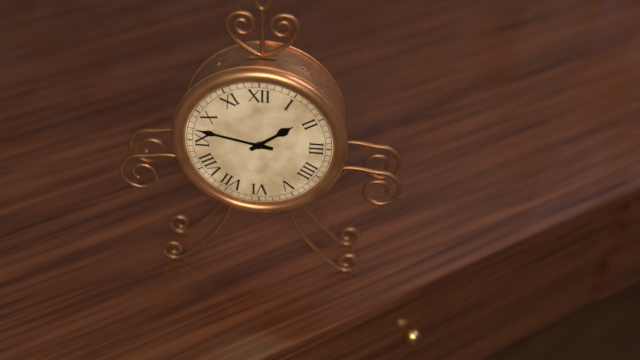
1,47
